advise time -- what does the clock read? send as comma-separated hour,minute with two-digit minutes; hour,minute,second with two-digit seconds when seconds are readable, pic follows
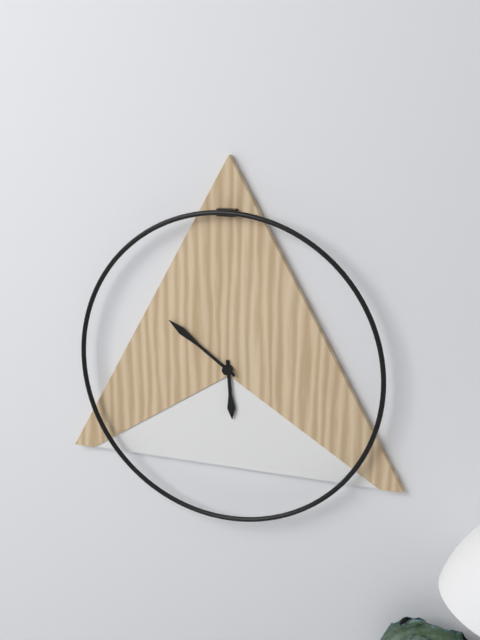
5,51
